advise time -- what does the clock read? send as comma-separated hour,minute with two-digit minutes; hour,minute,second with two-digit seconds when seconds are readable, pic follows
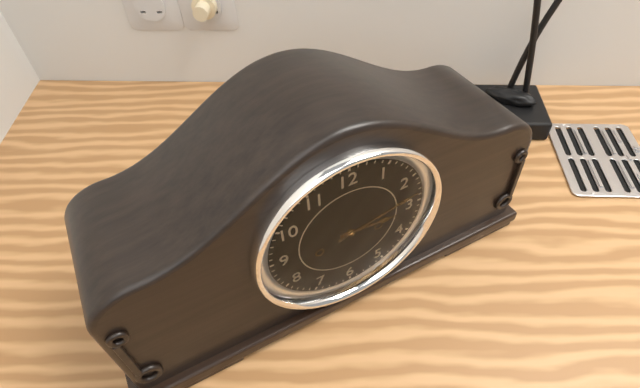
3,13
